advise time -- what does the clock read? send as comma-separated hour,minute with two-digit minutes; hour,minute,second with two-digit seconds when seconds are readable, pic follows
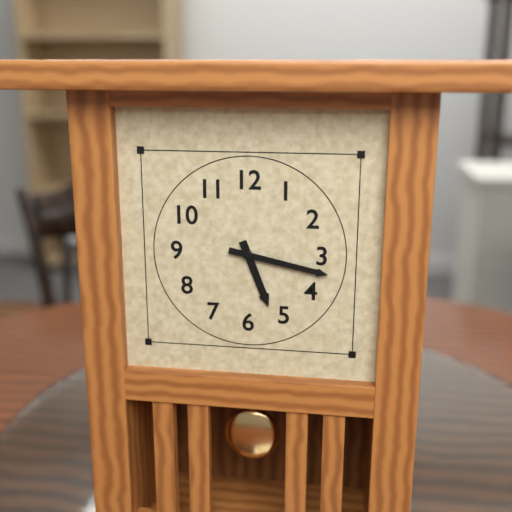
5,17
